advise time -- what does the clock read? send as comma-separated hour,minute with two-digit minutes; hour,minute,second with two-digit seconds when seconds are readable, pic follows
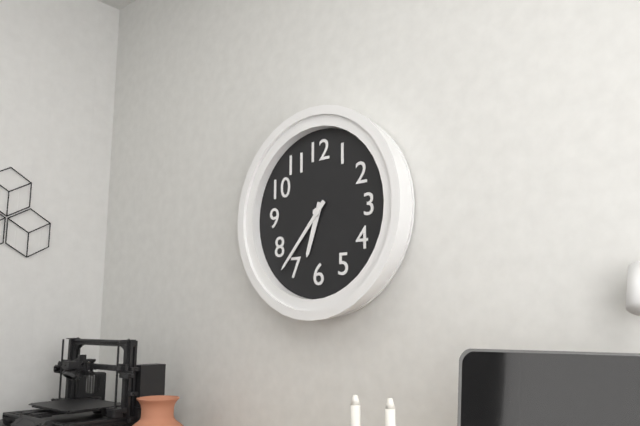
6,37
